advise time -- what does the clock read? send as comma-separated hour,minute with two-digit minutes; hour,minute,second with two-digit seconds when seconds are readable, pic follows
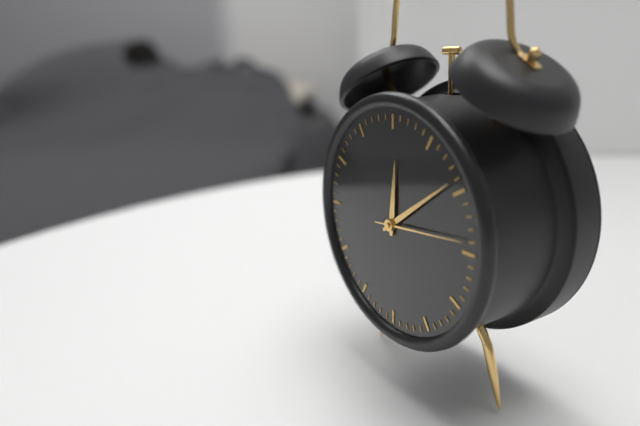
12,09,14
